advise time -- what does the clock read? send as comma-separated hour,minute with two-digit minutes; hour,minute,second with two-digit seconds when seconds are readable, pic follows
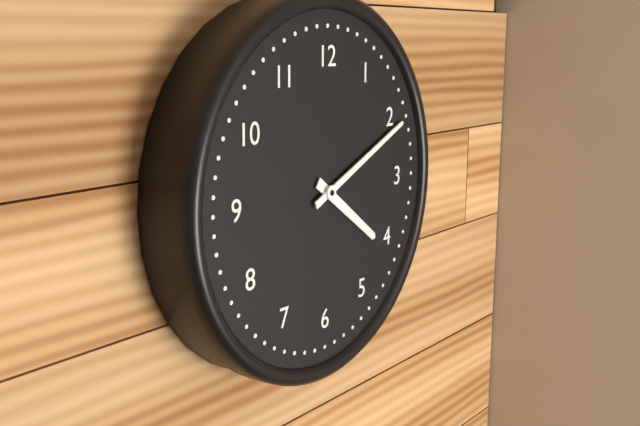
4,11
